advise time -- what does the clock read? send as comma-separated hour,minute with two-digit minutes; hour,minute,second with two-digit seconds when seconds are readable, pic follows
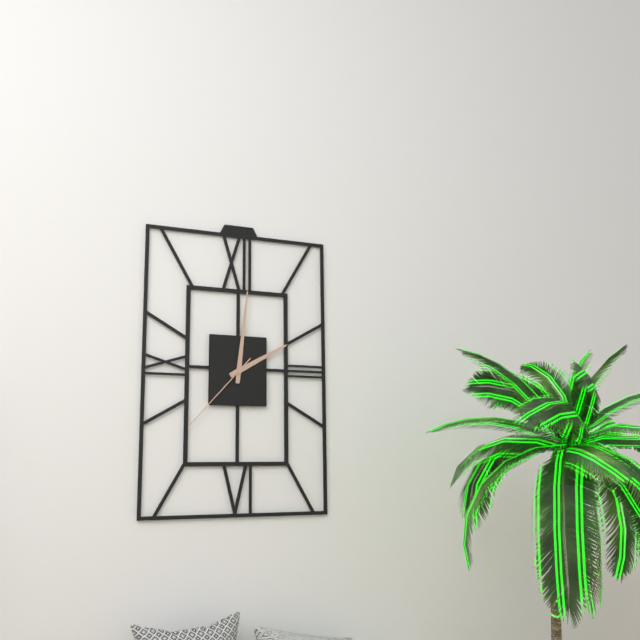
2,01,37
